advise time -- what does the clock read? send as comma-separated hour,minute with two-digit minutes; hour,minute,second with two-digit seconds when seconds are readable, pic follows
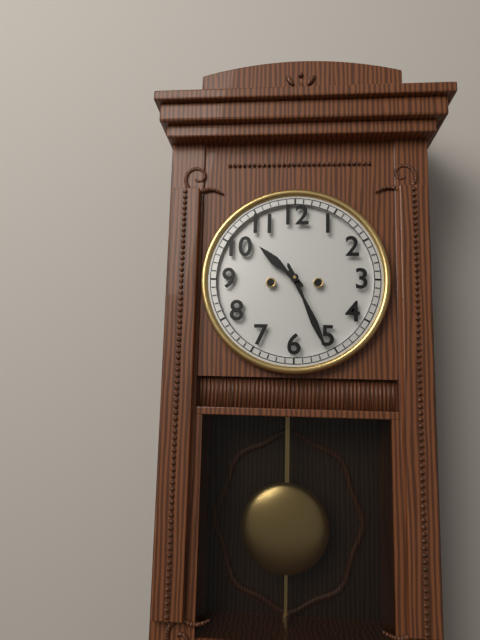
10,26
